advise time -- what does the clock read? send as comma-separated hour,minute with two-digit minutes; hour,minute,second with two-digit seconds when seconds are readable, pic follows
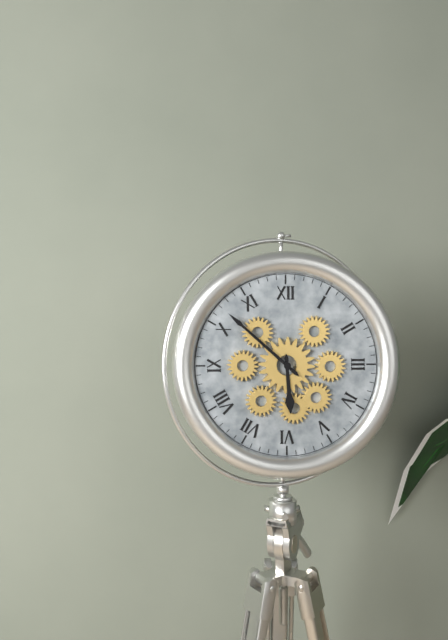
5,52
